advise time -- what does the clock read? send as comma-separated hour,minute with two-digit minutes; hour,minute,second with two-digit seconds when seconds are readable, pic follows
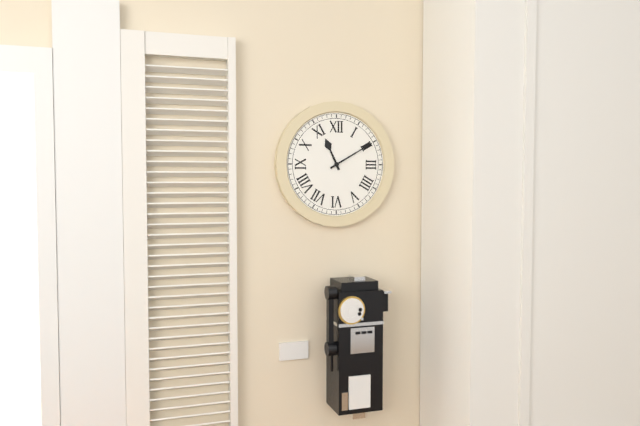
11,10
